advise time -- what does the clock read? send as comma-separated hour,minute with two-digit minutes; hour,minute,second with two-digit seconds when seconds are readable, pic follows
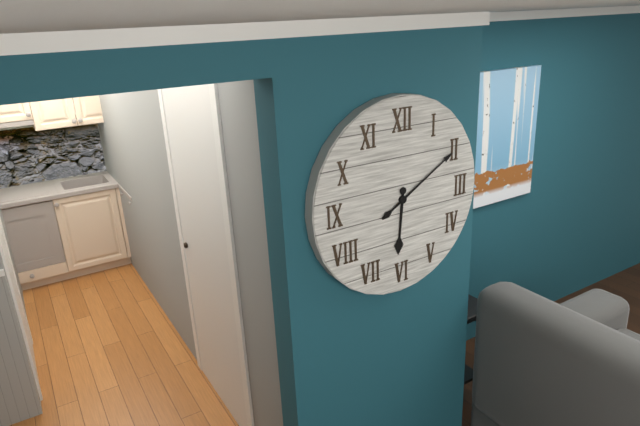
6,10
